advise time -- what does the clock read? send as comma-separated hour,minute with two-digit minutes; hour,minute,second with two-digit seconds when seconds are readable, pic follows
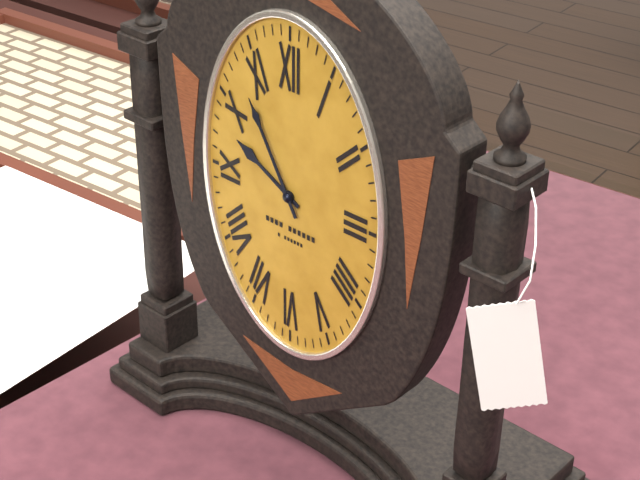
9,55
